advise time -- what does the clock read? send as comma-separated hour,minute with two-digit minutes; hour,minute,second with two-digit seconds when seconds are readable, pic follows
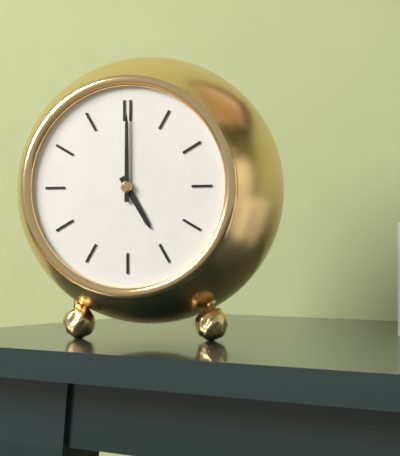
5,00
